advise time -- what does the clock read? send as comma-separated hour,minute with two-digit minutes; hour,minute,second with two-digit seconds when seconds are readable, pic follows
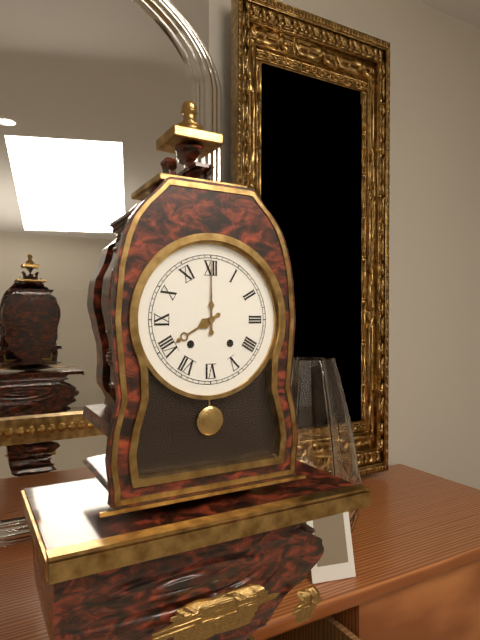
8,00
